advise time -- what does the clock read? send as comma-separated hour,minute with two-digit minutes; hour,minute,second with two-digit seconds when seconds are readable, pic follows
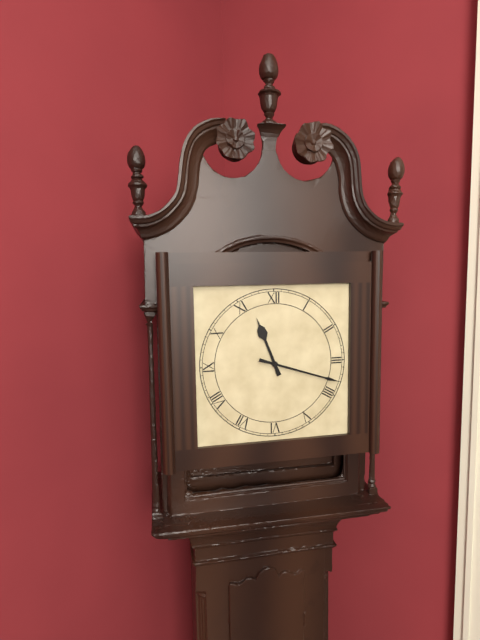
11,18
